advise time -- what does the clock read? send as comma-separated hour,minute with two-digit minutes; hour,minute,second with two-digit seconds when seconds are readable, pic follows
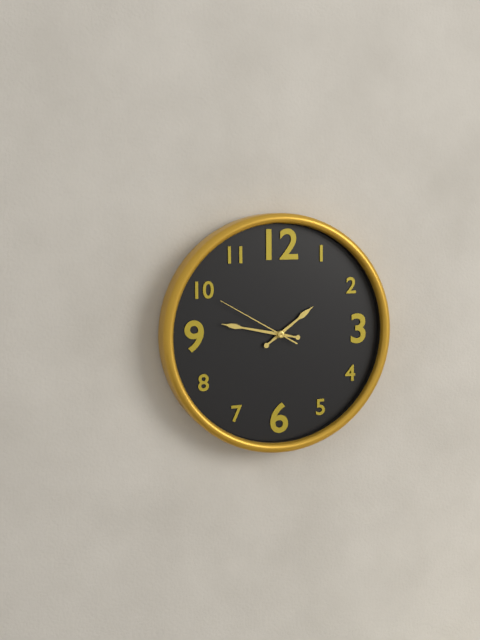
1,47,50
